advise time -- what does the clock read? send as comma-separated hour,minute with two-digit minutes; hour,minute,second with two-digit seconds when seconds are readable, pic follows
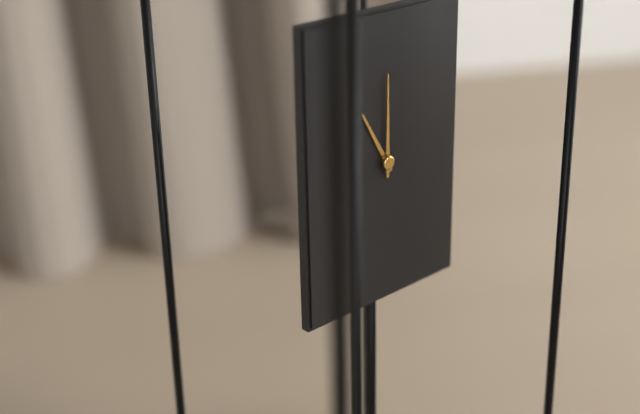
11,00
